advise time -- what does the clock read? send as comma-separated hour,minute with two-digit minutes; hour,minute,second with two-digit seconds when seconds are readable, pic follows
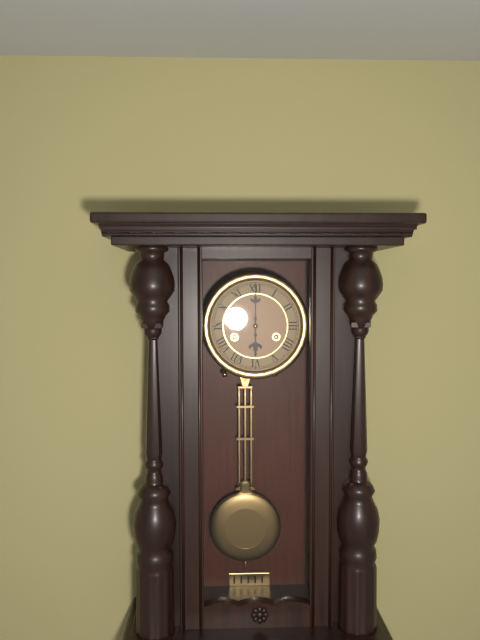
6,00
